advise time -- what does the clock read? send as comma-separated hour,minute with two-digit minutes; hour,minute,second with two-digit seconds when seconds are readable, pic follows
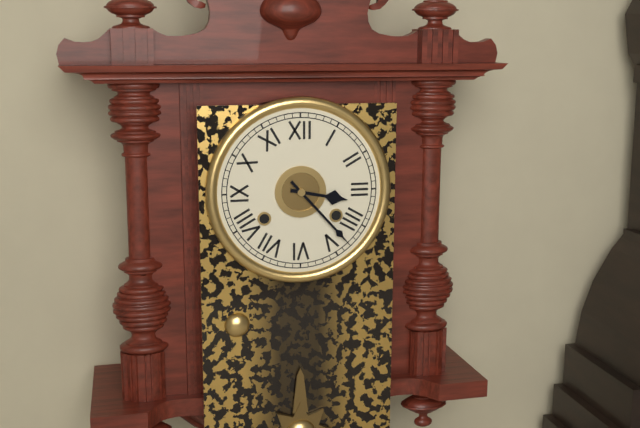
3,23
